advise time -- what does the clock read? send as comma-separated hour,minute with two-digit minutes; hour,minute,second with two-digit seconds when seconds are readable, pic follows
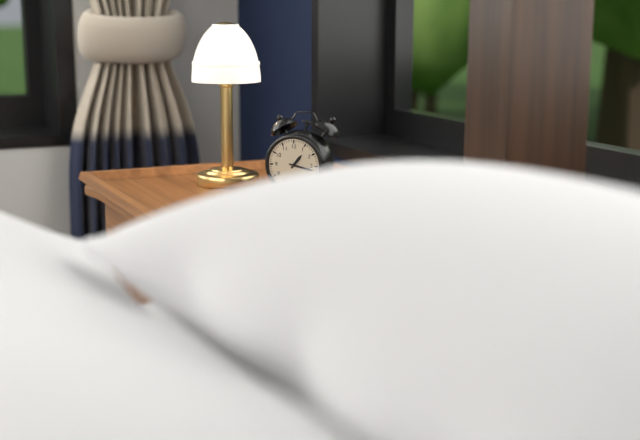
1,17
